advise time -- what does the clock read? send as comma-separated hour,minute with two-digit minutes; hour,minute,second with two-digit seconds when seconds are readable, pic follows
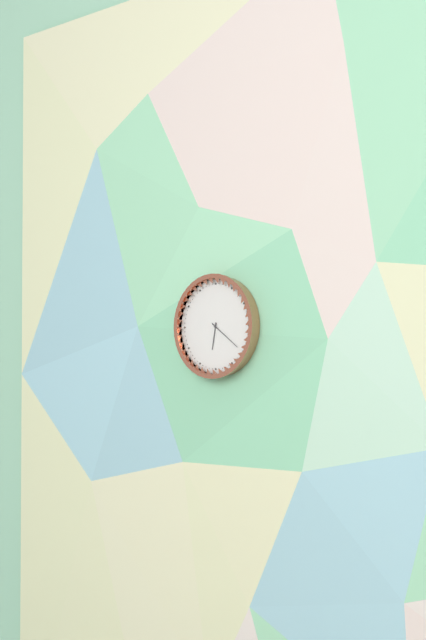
6,21
